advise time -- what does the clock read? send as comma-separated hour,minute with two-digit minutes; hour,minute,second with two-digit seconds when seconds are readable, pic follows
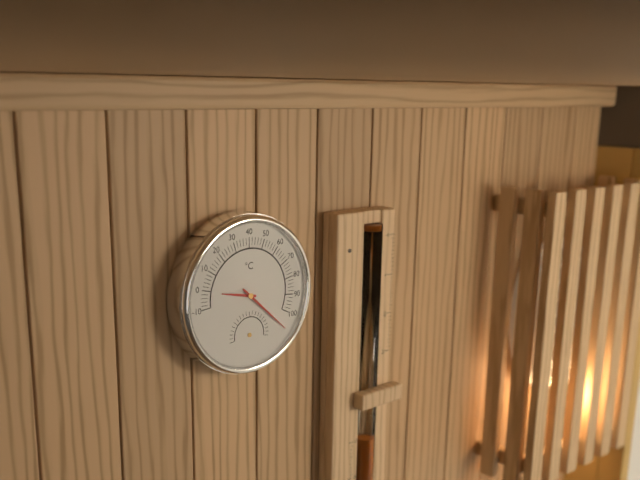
9,22
